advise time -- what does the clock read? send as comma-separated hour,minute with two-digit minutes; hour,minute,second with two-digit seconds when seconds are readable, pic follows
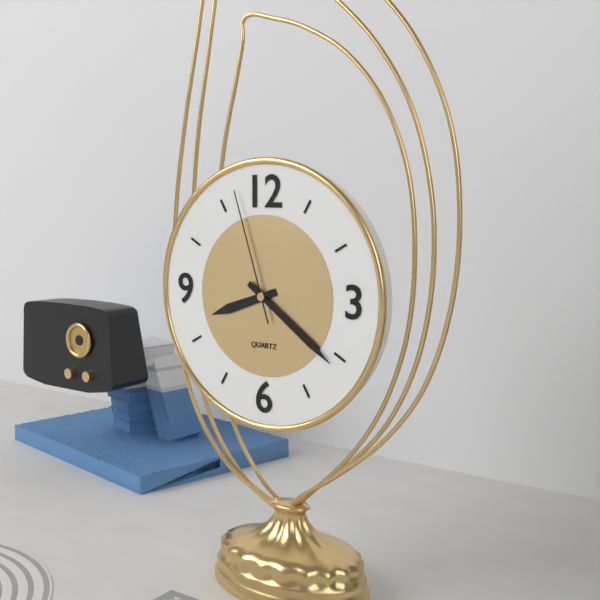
8,21,57
